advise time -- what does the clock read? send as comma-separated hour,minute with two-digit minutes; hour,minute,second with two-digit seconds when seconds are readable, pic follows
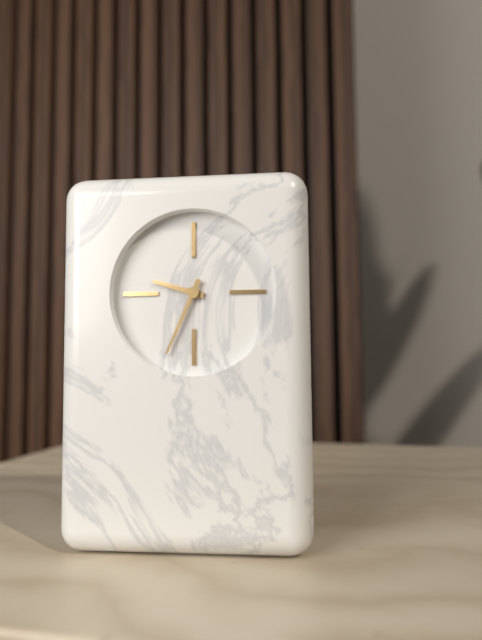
9,34
